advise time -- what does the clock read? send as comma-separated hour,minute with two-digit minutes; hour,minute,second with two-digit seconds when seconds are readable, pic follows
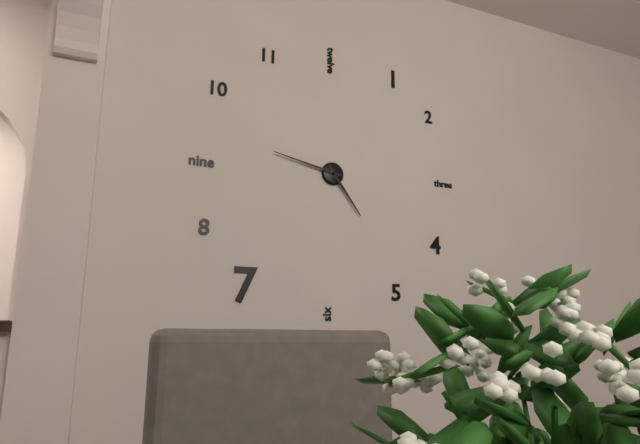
4,47
